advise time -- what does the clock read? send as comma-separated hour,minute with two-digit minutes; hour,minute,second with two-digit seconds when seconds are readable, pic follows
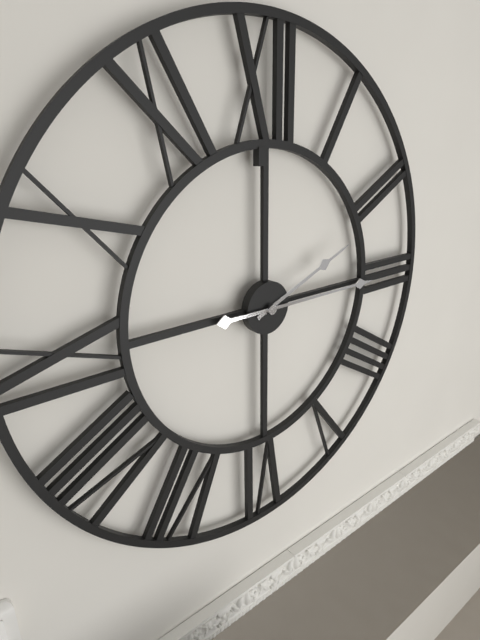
2,15
